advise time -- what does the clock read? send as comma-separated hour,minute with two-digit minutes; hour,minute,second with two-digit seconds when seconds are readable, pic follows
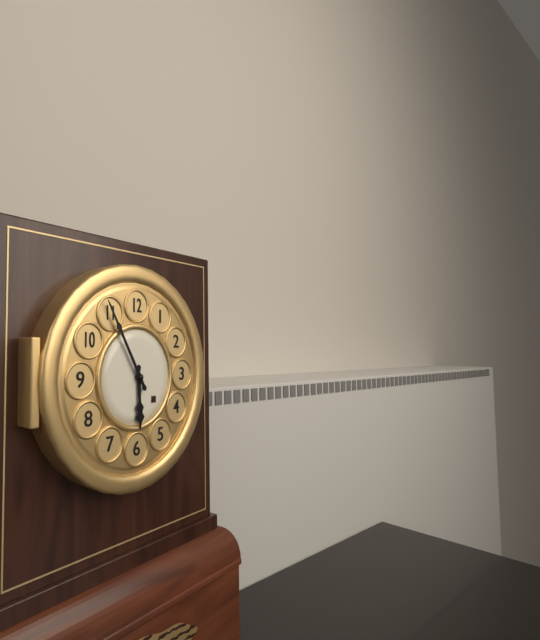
5,55
